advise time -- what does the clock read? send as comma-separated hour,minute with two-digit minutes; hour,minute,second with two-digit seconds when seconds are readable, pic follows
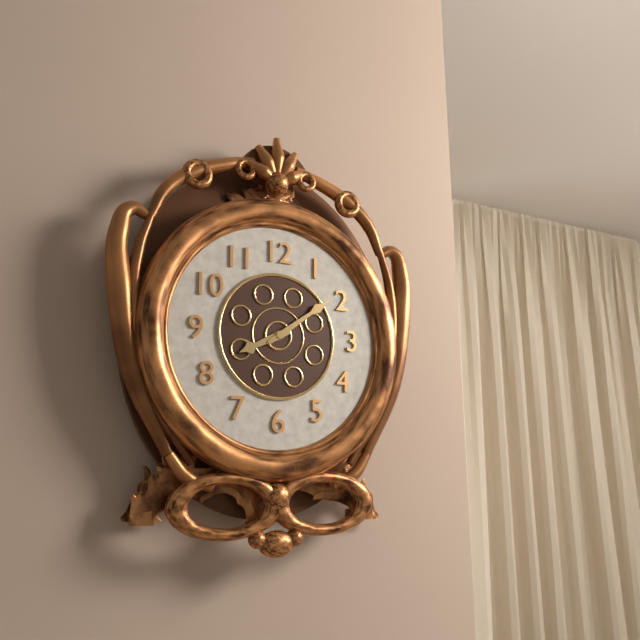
8,09
